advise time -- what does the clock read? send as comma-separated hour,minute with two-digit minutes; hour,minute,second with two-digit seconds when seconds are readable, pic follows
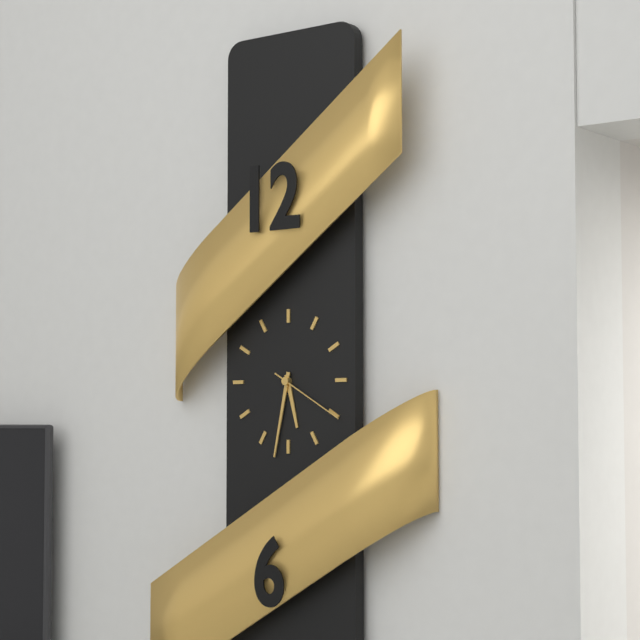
5,32,20
